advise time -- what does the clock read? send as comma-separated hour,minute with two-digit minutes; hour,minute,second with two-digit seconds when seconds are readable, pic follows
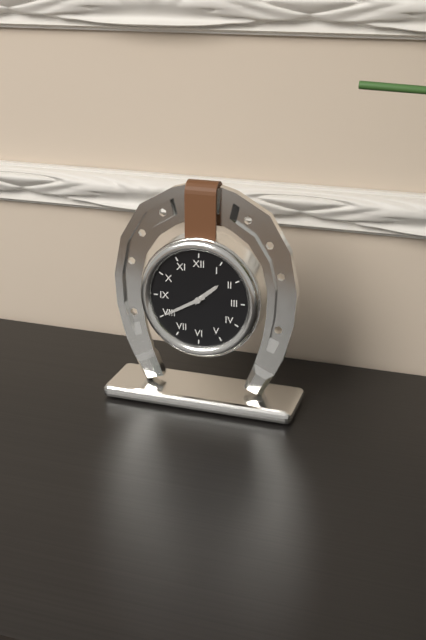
1,40
